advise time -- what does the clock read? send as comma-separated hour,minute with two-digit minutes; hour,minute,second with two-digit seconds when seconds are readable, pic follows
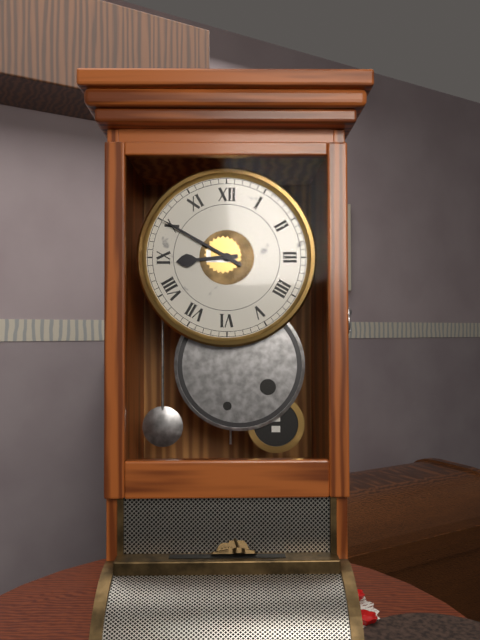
8,50
